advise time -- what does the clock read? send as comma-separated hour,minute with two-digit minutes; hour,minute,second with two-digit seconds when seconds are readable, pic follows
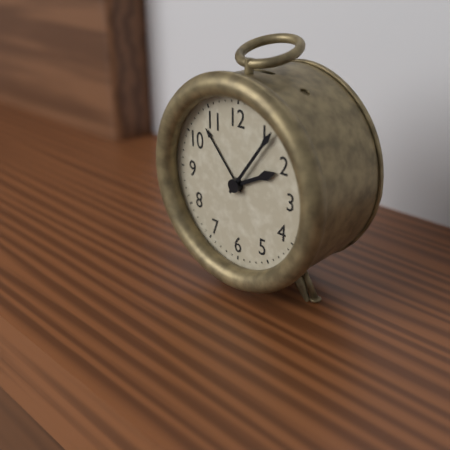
2,06
